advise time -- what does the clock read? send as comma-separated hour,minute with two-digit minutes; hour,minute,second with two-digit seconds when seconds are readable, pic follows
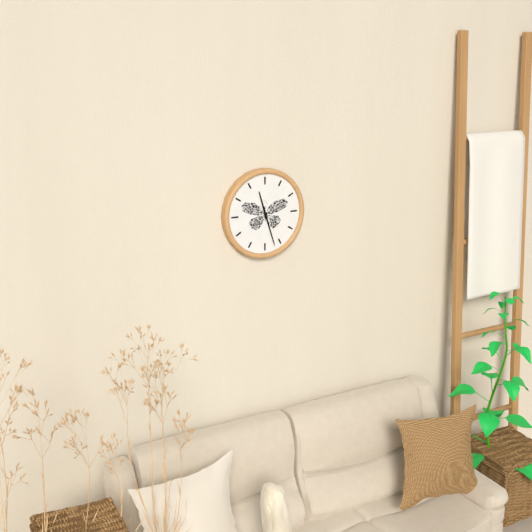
11,27
